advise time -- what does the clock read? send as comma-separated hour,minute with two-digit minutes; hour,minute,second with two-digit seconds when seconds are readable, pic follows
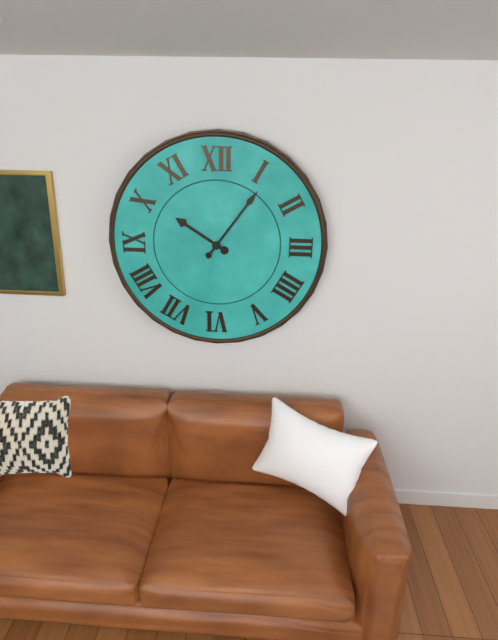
10,06
